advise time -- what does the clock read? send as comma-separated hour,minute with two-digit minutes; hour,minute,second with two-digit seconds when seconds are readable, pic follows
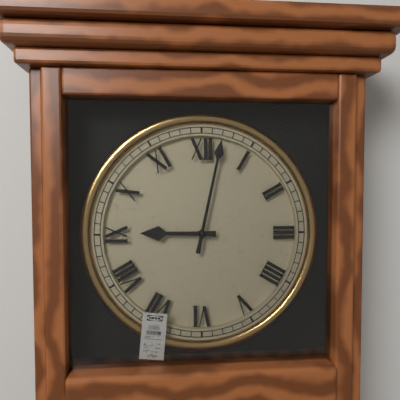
9,02
